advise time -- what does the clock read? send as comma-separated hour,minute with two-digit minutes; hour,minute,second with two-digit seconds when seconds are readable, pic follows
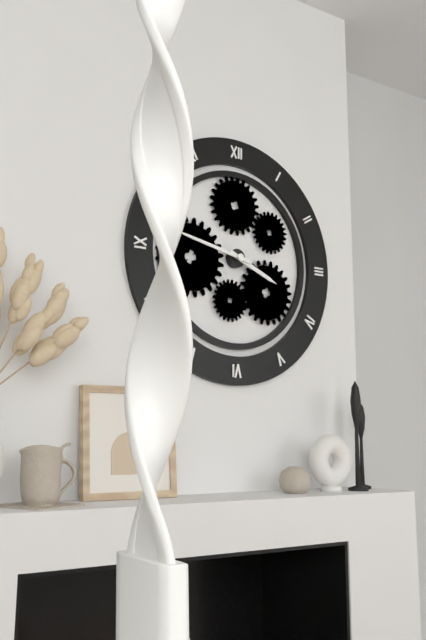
3,47
